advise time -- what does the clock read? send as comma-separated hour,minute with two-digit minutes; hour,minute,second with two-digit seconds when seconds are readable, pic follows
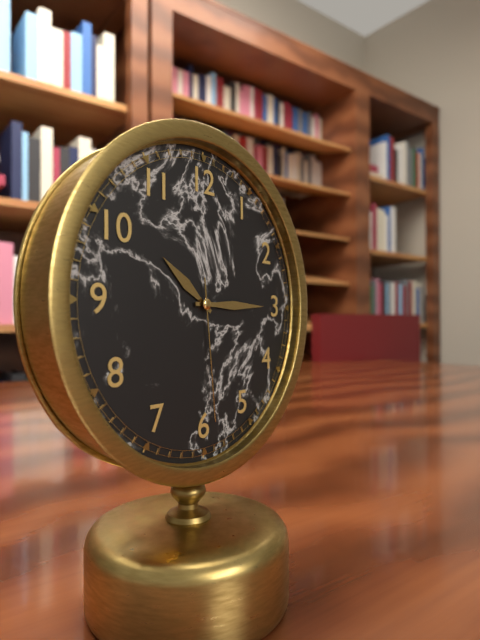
10,15,29
